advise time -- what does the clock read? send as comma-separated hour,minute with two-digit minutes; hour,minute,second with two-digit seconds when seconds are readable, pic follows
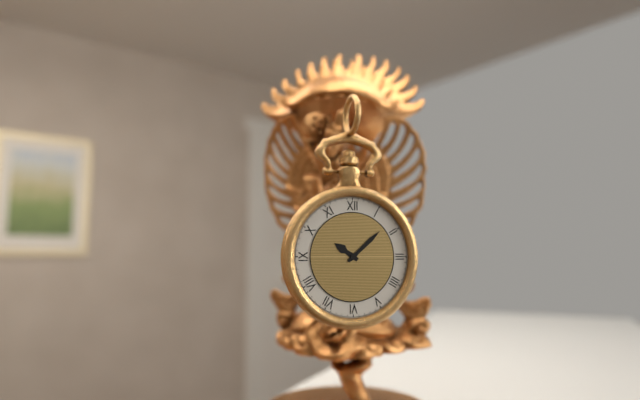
10,08
